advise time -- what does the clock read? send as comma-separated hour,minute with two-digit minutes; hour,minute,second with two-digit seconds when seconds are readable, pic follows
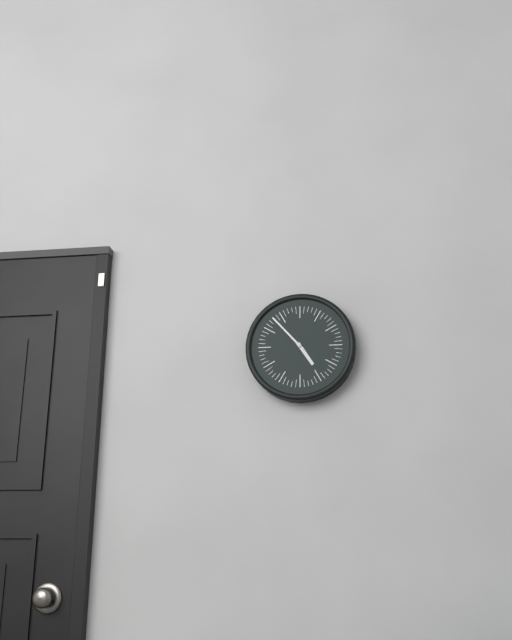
4,53
